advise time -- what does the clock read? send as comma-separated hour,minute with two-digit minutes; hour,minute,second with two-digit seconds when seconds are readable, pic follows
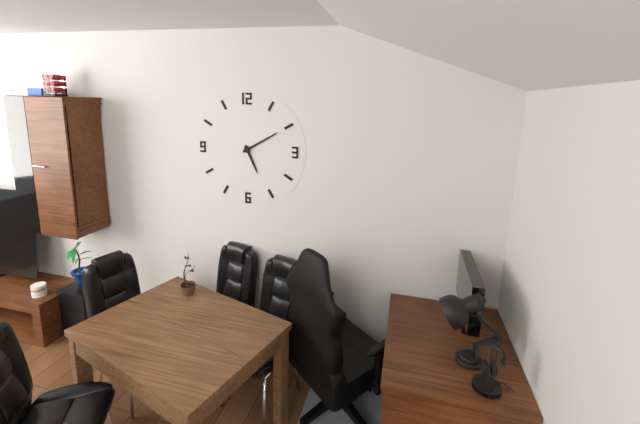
5,10
